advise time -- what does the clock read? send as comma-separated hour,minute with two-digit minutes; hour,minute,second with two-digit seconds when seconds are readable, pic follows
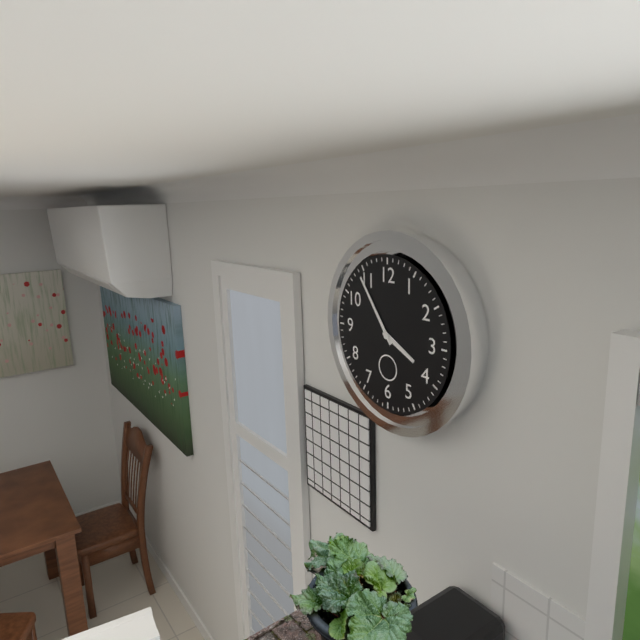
3,54
